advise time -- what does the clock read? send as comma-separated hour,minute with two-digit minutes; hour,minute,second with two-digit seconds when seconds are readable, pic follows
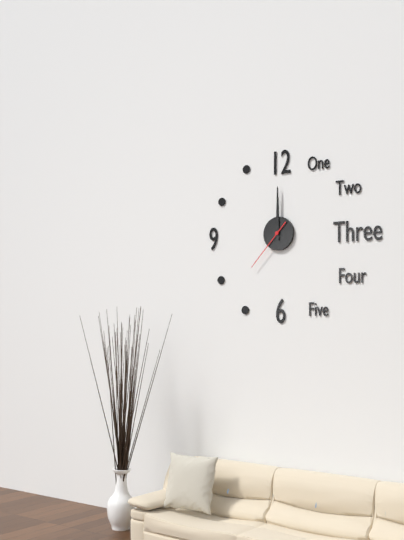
12,00,37
